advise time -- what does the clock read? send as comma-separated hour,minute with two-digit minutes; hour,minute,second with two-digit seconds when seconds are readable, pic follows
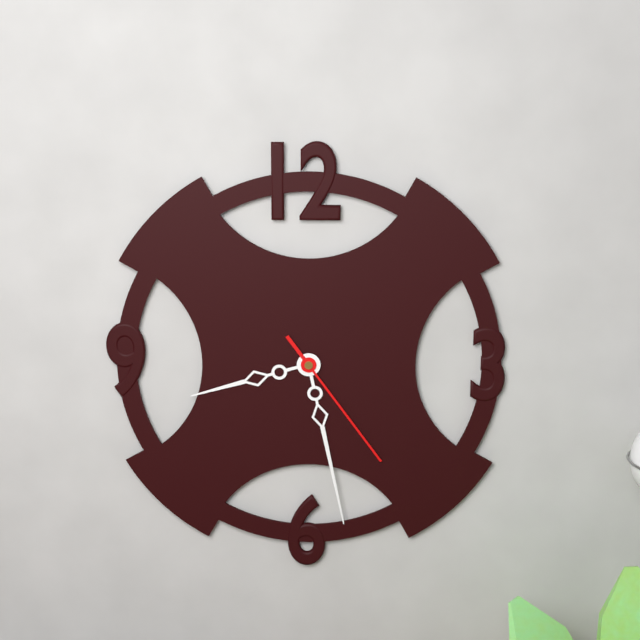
8,28,24
